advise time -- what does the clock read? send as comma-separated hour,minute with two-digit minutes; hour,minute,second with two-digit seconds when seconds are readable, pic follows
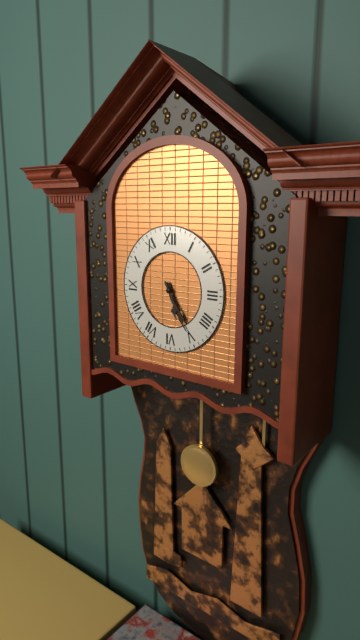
5,25
